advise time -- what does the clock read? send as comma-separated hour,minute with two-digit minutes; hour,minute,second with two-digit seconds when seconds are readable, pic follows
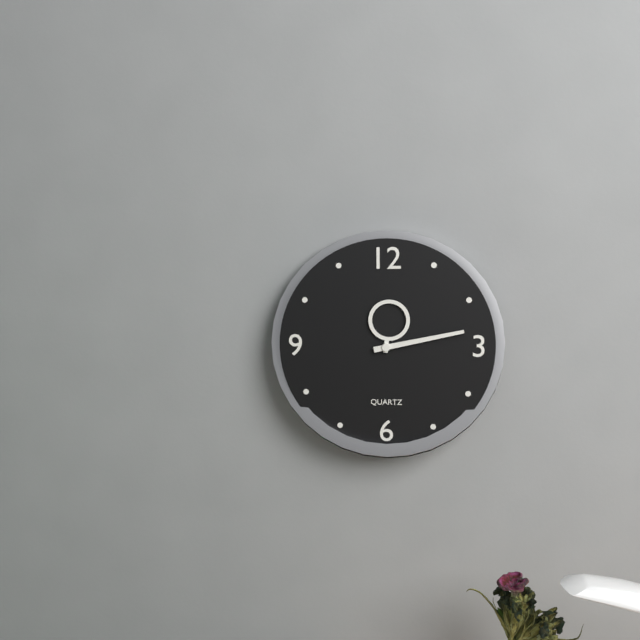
12,13
